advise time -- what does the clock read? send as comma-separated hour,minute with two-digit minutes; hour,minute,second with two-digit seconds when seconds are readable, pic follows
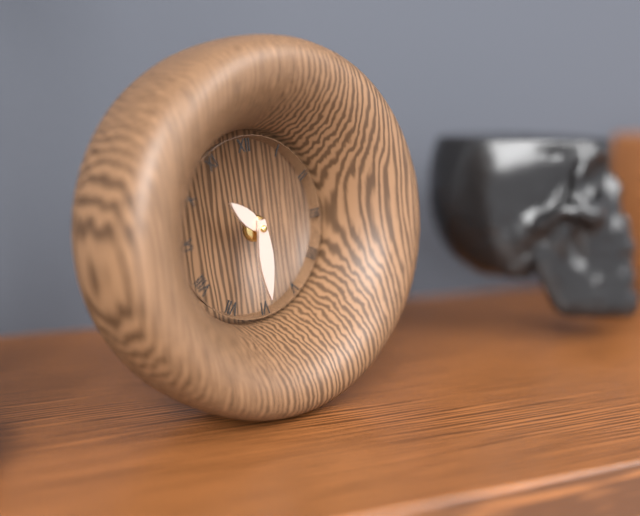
10,30
